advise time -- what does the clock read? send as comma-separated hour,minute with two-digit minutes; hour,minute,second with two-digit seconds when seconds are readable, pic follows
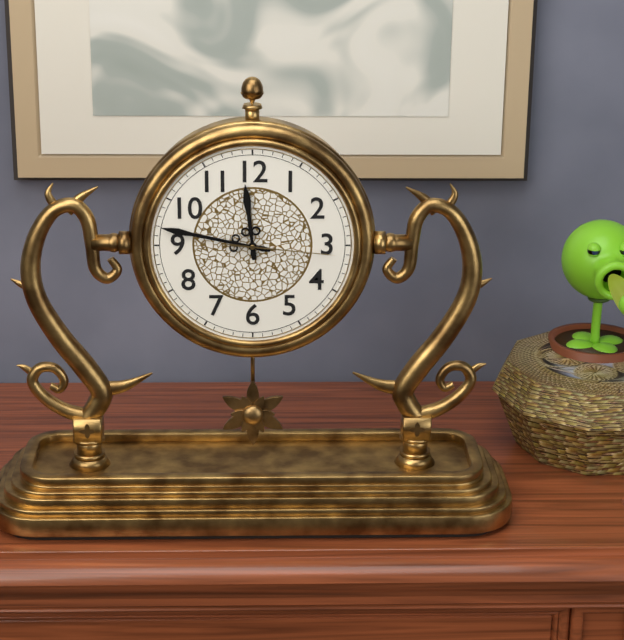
11,47,16
